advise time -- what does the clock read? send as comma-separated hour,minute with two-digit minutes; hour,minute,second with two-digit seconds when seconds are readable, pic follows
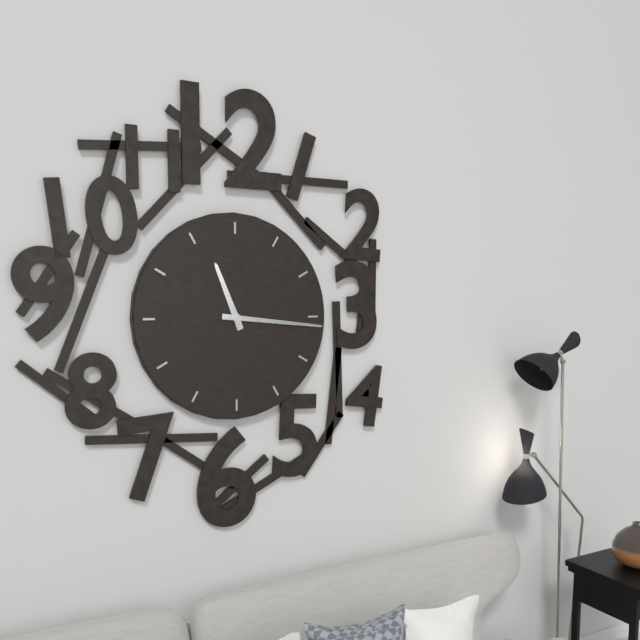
11,16
